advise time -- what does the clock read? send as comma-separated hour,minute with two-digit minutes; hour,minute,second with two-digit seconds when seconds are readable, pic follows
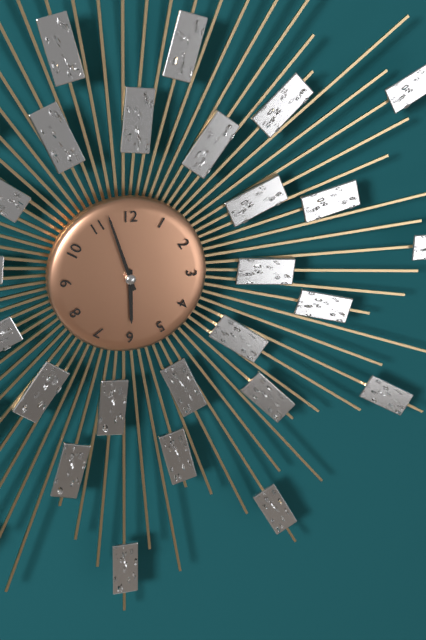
5,57
